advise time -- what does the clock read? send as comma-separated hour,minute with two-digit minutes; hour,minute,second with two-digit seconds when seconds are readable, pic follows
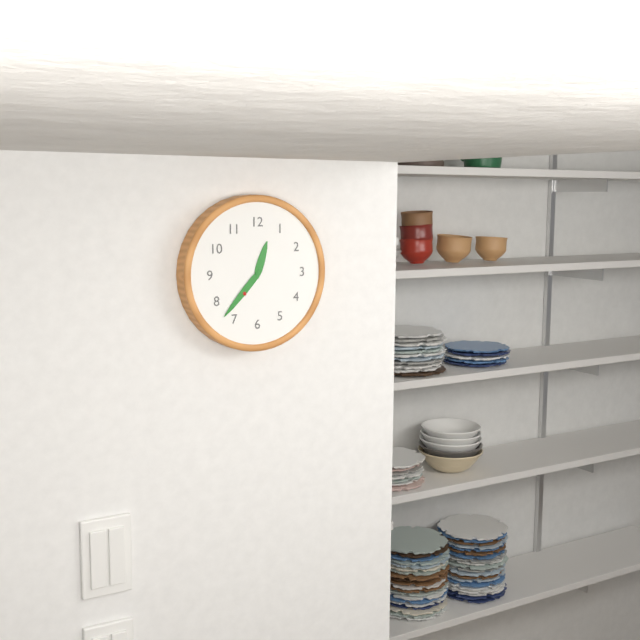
12,37
